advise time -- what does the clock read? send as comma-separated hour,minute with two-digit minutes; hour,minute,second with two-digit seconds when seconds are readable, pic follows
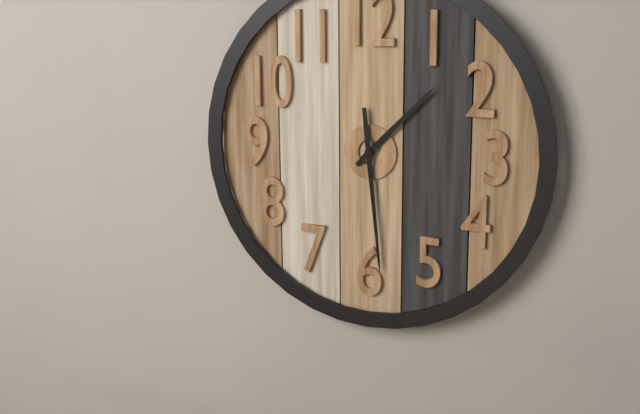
1,29
